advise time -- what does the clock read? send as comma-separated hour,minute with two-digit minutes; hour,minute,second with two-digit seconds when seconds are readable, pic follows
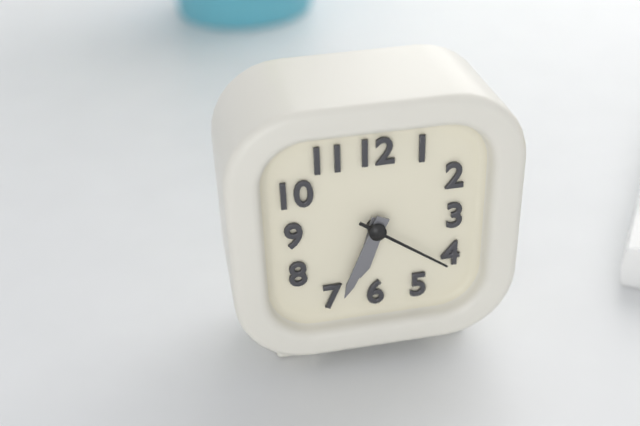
6,34,21
